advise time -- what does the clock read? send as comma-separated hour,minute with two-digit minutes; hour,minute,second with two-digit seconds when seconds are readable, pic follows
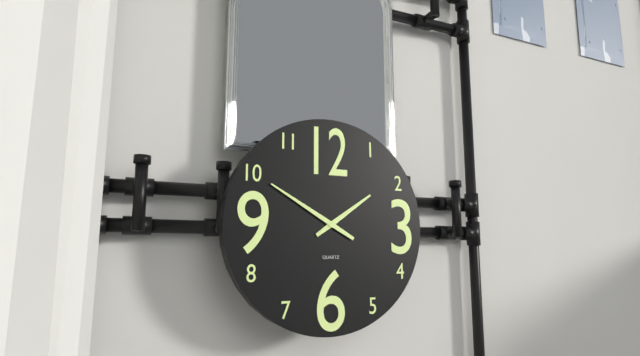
1,50
